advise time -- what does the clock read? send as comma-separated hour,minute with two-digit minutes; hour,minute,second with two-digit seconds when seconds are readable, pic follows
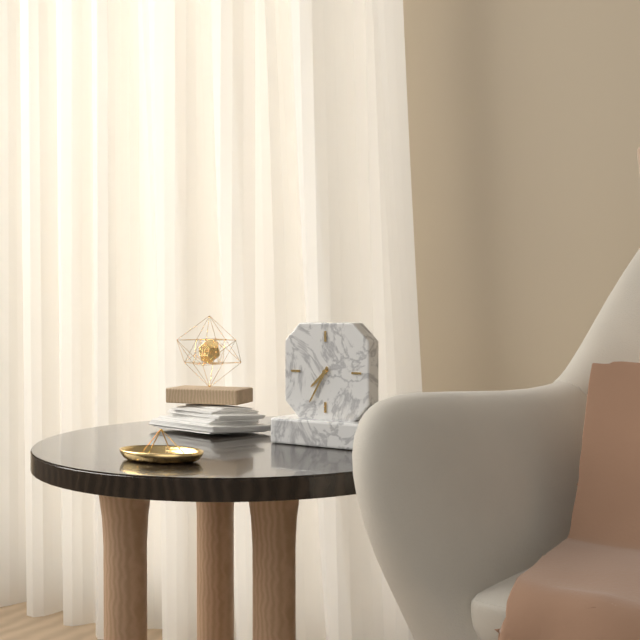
7,35
